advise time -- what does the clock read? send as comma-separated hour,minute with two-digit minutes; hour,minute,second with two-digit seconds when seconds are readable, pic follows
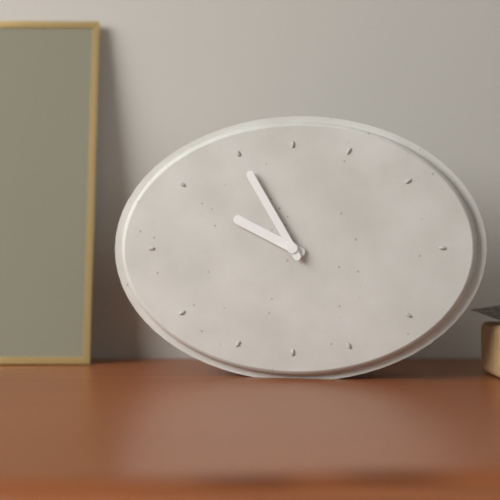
9,55
